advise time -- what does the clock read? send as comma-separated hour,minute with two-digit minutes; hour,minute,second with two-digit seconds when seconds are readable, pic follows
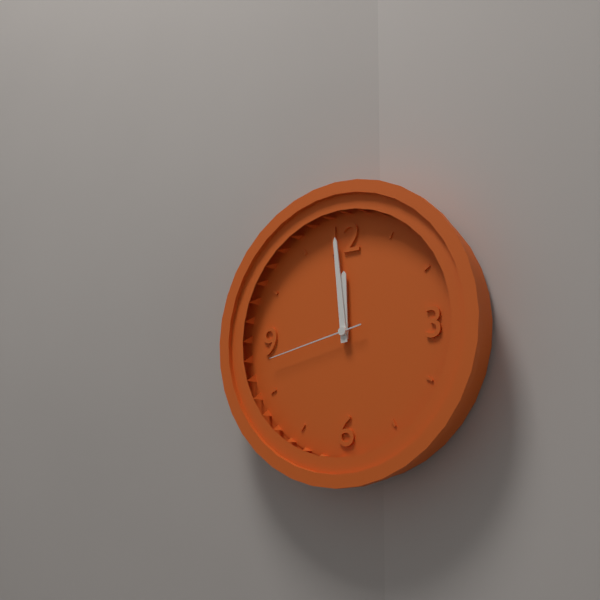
11,59,43
